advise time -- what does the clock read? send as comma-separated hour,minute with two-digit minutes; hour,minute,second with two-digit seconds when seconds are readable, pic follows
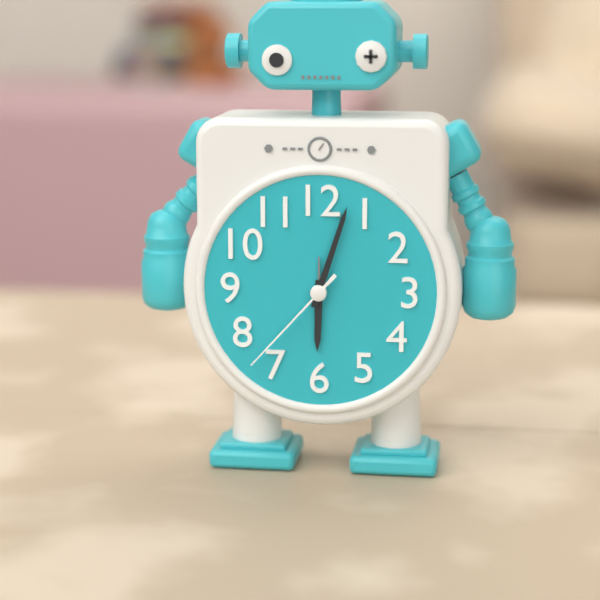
6,03,37
